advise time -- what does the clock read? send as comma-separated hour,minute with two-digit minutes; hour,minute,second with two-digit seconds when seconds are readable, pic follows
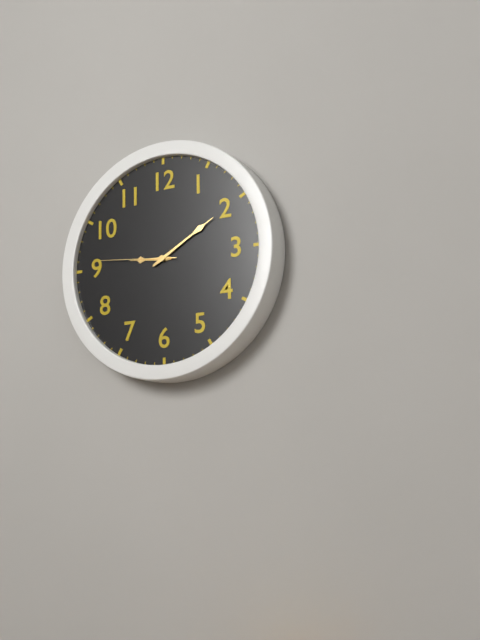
9,10,46
